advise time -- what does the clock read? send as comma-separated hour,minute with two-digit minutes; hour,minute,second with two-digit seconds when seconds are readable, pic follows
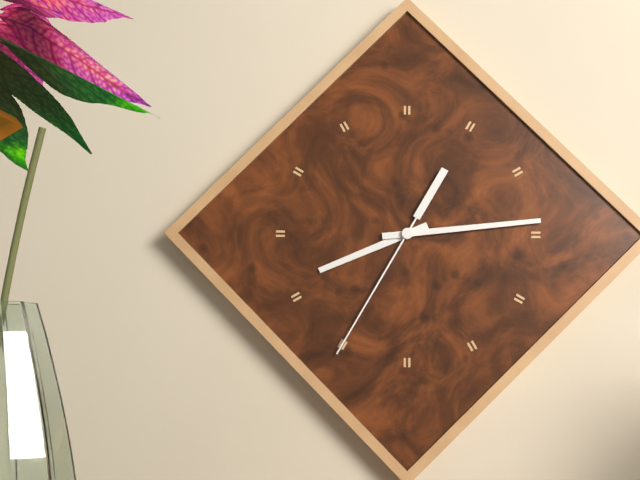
8,14,35
